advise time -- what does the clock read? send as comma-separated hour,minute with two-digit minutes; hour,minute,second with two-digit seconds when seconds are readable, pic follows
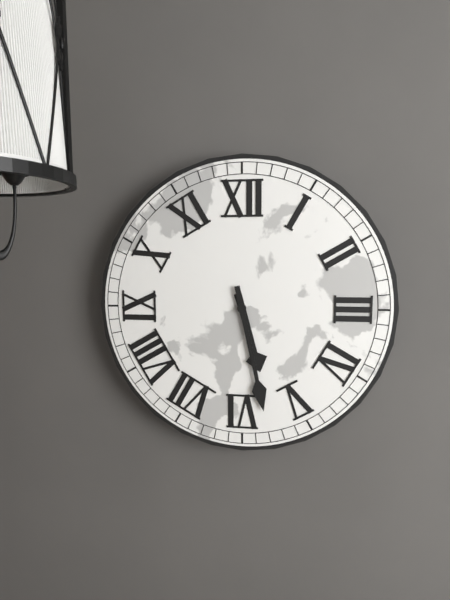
5,28
